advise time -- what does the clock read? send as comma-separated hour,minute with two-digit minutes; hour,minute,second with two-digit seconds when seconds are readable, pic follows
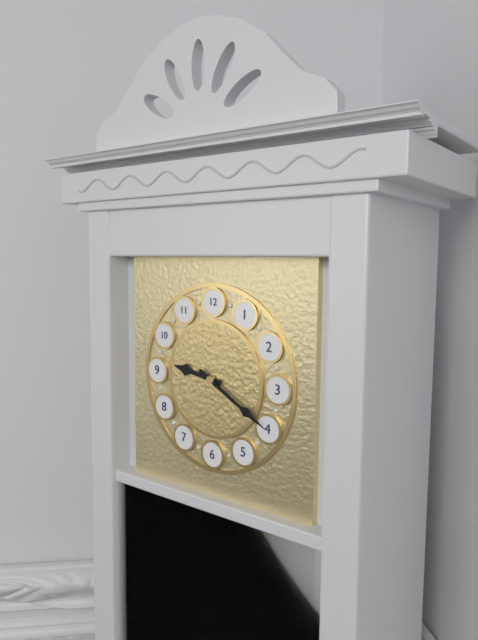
9,20
